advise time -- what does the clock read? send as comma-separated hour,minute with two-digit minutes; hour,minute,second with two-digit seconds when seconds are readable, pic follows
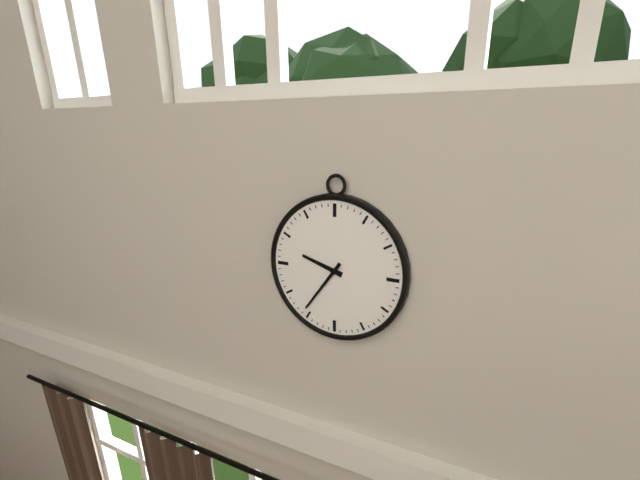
9,36
